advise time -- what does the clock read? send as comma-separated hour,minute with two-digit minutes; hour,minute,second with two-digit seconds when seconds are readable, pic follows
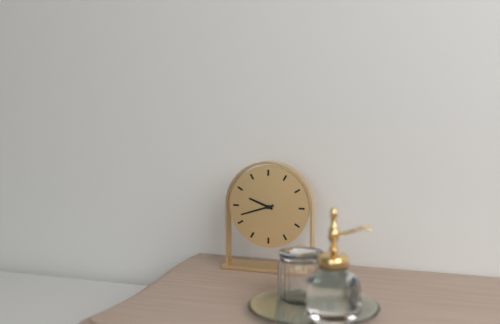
9,42
